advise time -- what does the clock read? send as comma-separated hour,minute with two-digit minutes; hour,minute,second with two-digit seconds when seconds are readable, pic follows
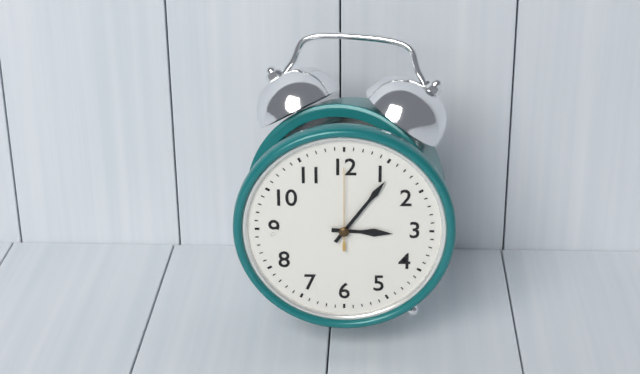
3,06,00
